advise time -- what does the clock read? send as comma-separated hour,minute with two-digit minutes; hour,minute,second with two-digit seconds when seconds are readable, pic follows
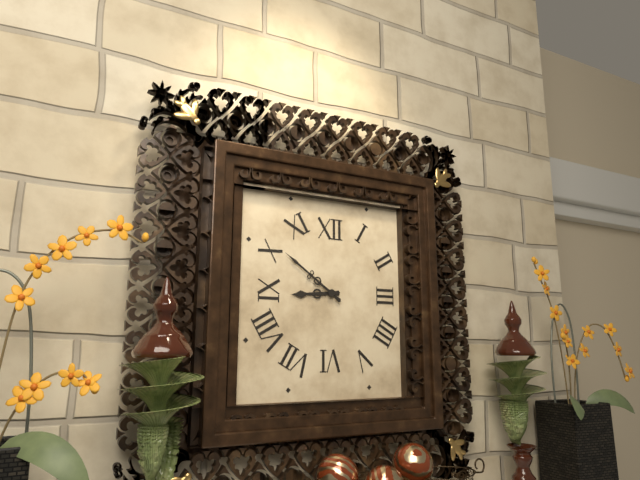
8,51
